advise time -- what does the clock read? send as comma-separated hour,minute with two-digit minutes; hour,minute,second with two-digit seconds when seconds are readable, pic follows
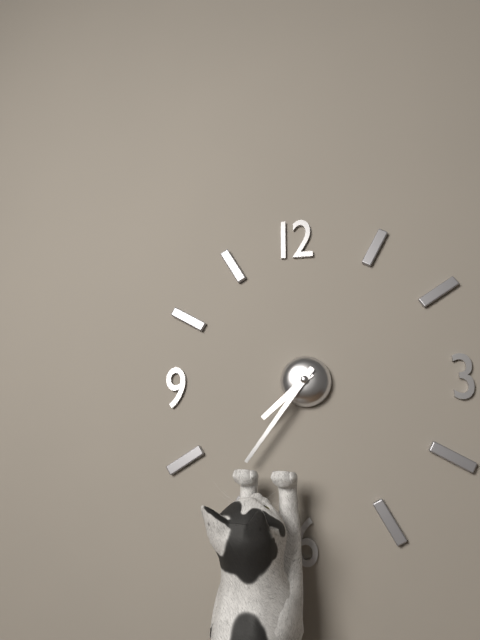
7,36
